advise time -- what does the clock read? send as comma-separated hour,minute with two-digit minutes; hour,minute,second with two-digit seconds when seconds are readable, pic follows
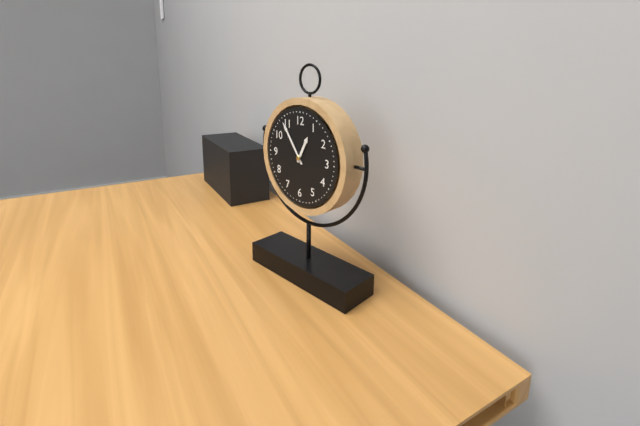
12,54
